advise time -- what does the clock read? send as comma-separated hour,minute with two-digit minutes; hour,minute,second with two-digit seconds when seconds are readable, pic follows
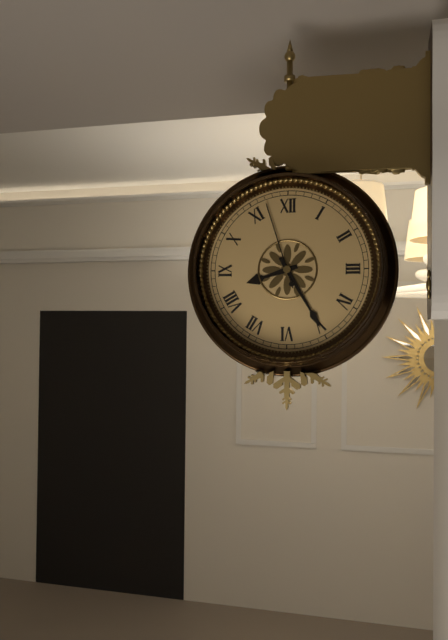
8,25,57
